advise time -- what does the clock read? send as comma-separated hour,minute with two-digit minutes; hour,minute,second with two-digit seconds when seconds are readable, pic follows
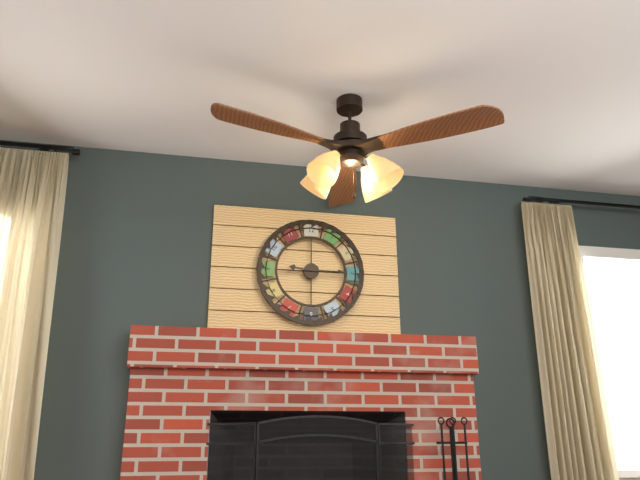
9,15
